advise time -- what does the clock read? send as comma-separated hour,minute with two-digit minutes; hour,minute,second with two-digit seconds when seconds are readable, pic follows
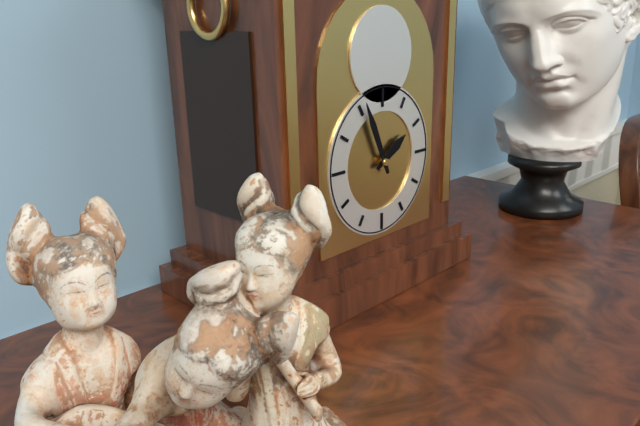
1,56
